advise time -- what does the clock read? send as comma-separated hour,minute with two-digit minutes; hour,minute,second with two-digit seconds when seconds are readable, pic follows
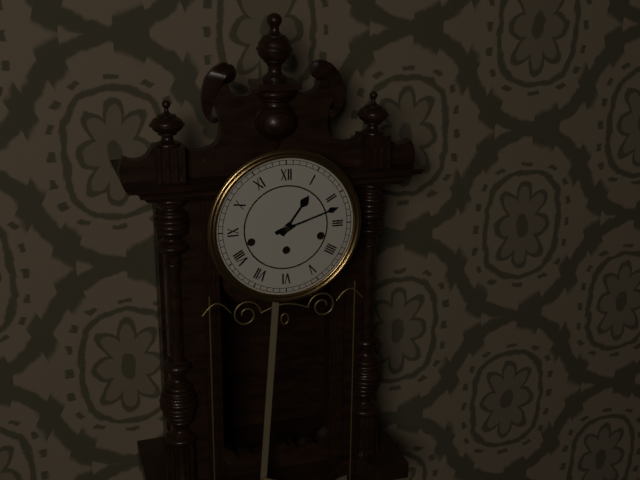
1,12
